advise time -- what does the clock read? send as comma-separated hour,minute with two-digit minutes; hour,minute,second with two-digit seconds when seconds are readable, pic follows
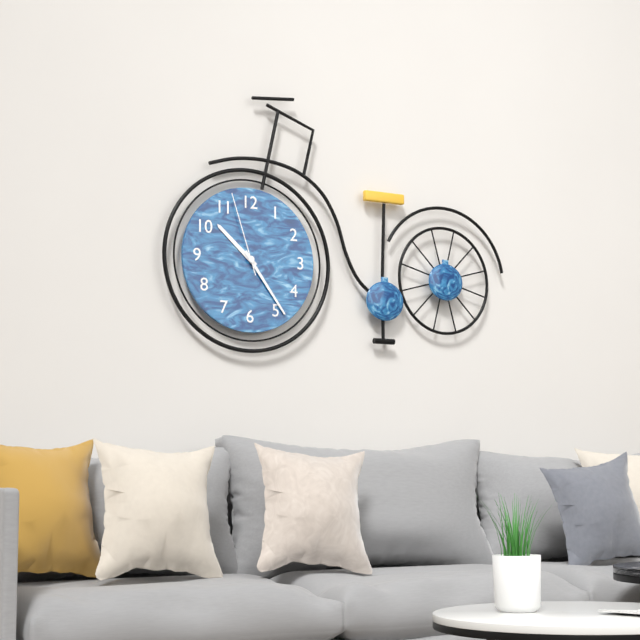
10,24,57
